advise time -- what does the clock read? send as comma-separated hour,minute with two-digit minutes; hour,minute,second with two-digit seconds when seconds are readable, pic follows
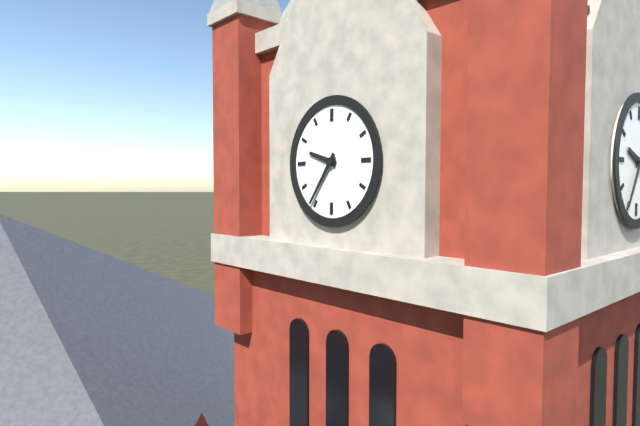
9,36
